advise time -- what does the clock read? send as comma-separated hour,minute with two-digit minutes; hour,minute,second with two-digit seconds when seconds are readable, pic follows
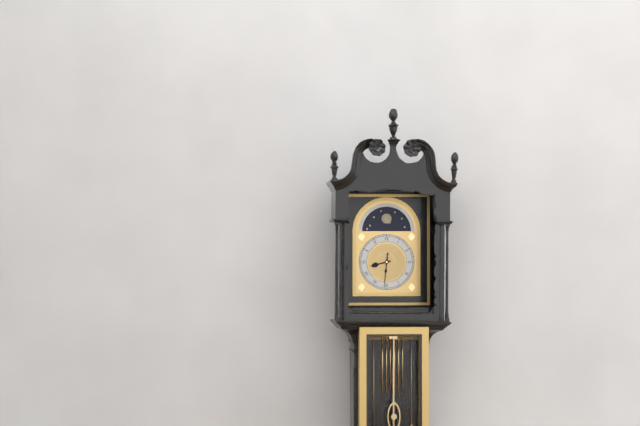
8,31
